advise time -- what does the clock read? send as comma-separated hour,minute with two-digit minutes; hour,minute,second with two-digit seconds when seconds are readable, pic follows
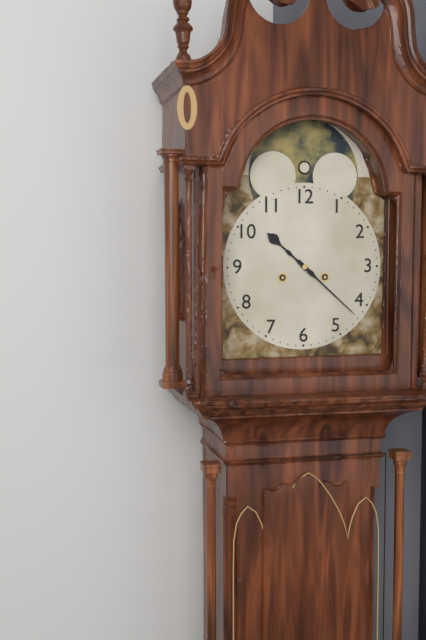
10,22
